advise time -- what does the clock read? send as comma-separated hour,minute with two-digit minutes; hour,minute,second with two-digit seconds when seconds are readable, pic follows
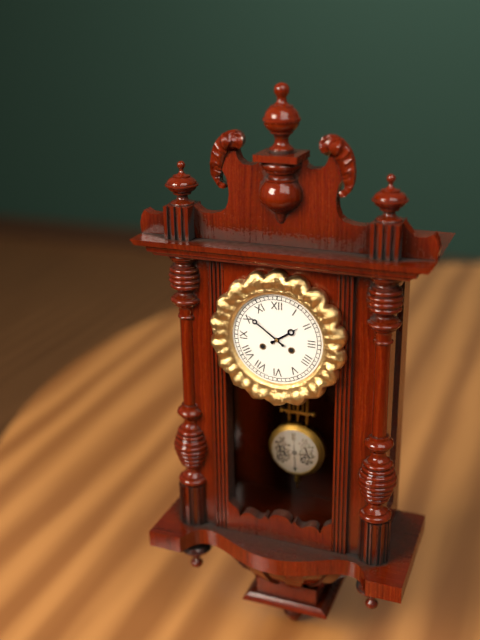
1,51
